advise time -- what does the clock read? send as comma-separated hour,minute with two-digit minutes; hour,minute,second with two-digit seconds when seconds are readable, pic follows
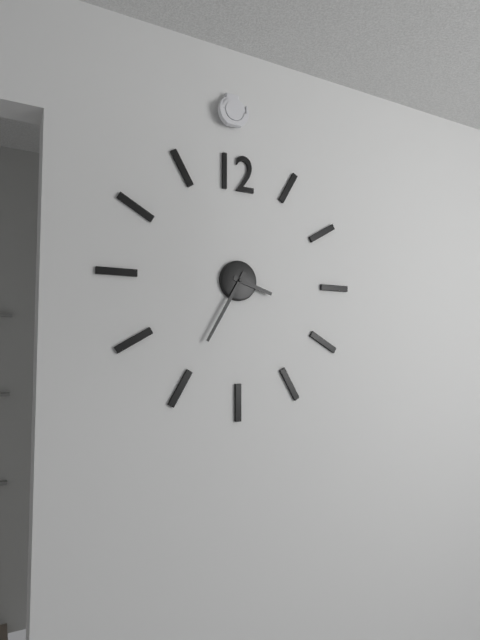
3,35
